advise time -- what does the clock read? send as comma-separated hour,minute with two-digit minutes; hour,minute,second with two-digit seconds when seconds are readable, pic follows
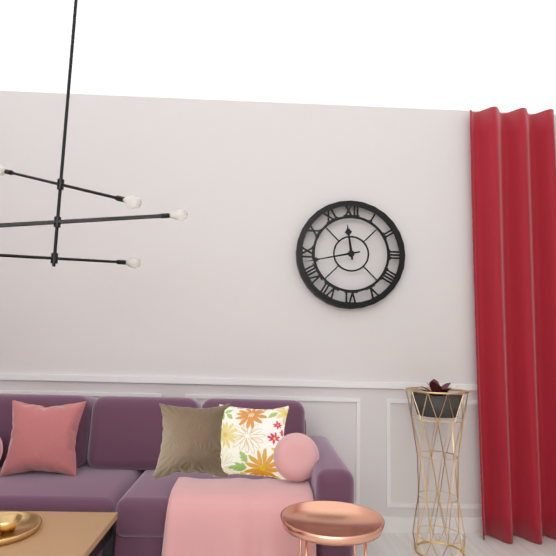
11,43
